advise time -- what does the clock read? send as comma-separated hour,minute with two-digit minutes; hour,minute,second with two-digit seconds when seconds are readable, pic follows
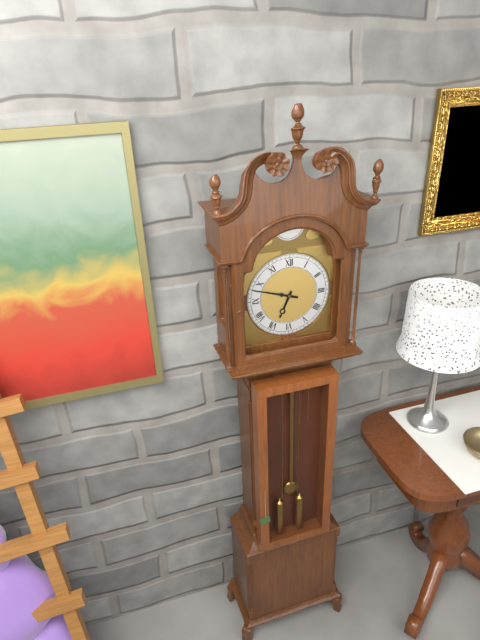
6,48
